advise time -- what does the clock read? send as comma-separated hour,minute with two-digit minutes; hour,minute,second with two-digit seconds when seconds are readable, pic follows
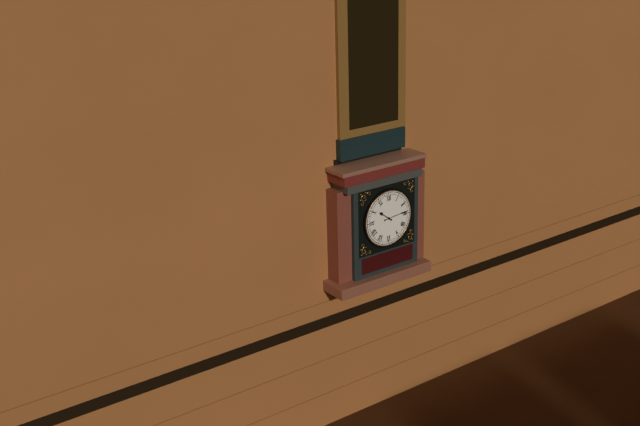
10,14
